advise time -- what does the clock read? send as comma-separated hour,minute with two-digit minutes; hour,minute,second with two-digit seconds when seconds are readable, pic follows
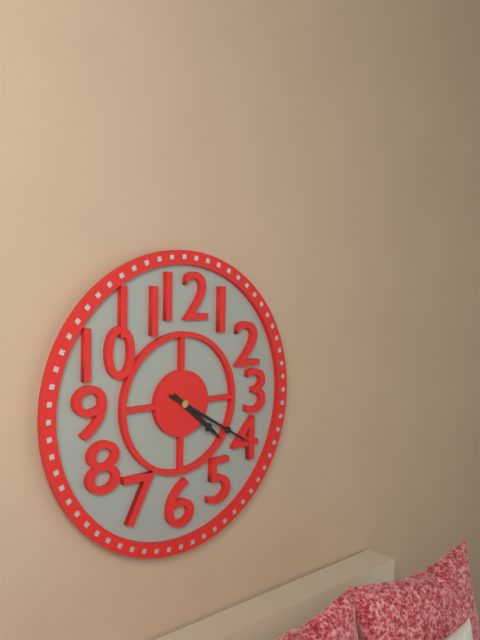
4,20
